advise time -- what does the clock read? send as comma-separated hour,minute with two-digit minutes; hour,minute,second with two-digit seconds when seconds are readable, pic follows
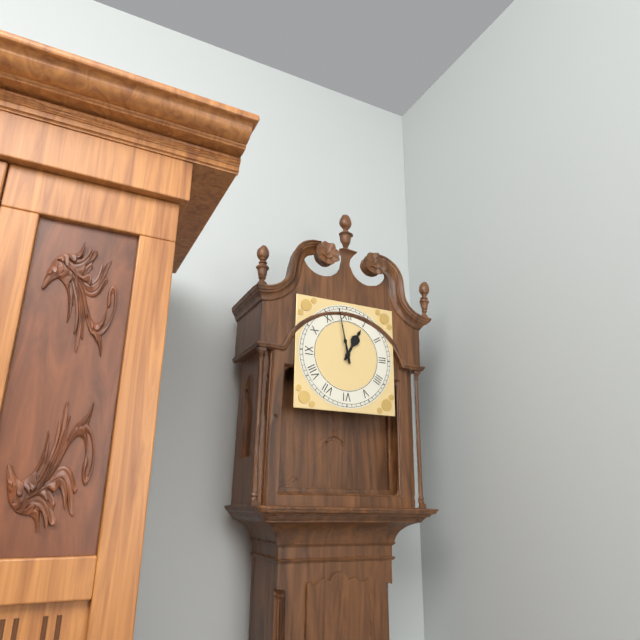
12,58
